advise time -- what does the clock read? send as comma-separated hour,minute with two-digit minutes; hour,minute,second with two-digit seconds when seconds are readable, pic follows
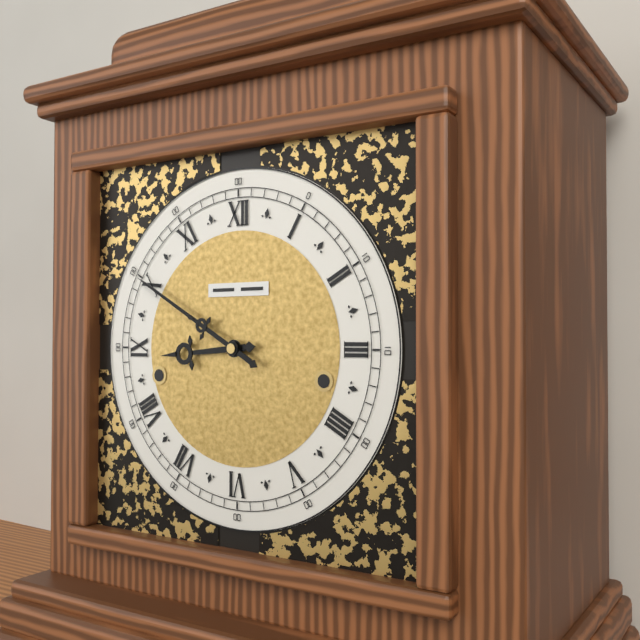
8,50
